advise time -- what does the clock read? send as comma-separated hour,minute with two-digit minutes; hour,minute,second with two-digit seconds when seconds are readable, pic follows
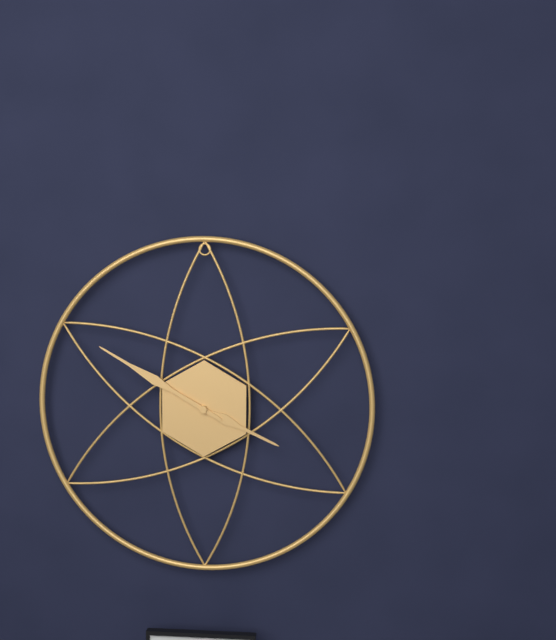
3,50
